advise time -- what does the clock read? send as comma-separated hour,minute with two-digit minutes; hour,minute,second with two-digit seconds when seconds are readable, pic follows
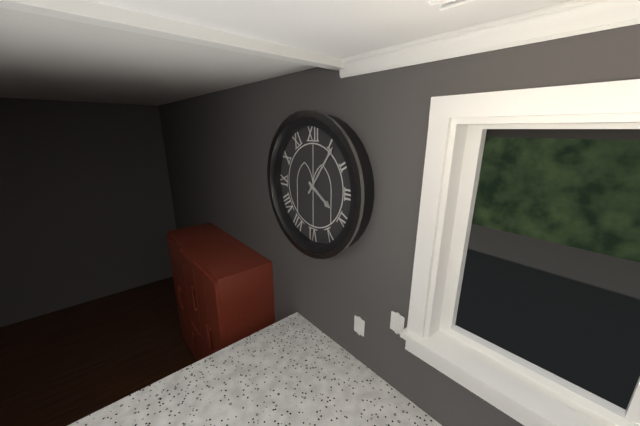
4,06
